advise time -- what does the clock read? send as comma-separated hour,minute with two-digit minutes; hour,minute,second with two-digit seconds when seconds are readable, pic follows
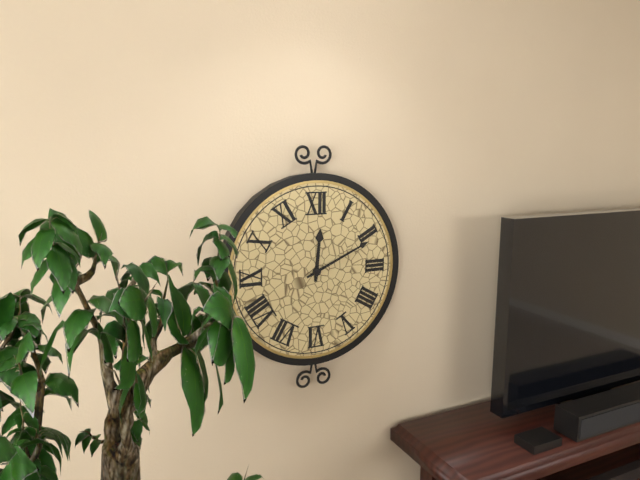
12,11
